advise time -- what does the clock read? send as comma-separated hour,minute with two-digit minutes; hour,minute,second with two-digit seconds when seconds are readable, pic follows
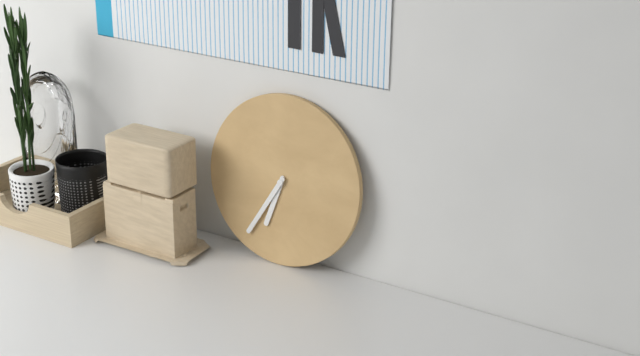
6,35
